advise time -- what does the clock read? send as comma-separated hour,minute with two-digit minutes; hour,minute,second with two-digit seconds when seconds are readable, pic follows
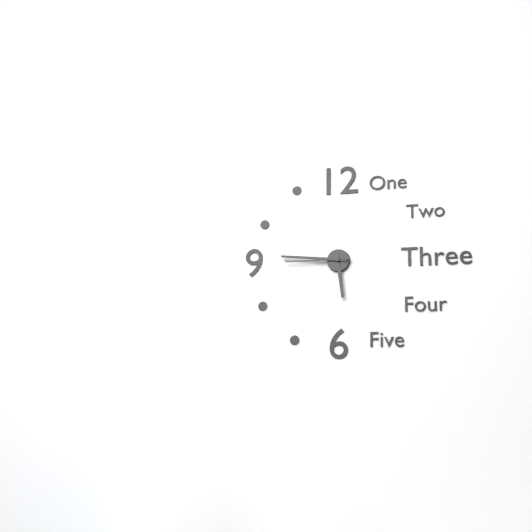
5,46,45
